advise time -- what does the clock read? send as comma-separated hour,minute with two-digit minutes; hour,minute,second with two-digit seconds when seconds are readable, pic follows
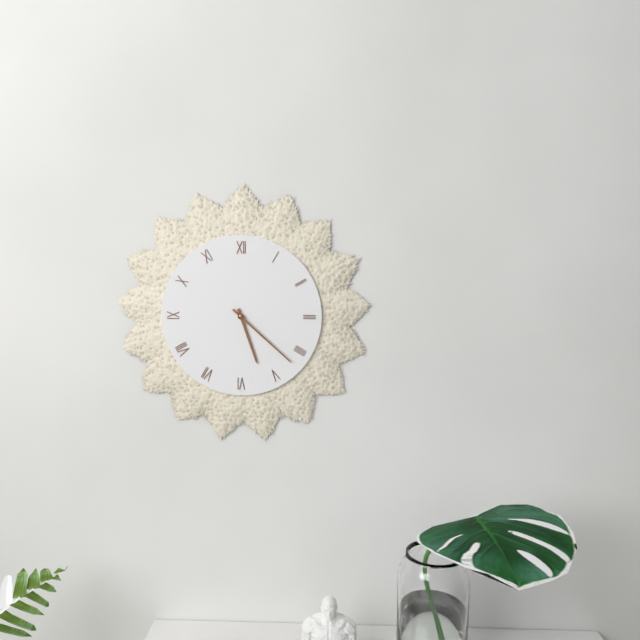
5,22
